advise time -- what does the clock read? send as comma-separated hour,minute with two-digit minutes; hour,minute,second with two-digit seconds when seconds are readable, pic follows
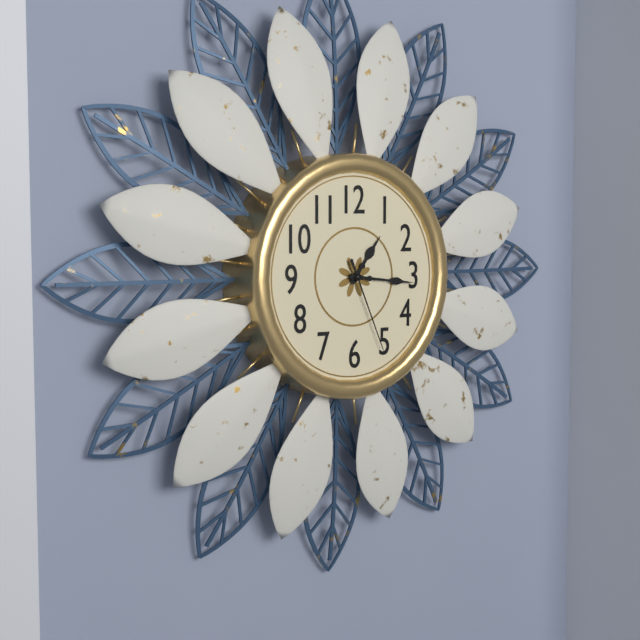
1,16,26
